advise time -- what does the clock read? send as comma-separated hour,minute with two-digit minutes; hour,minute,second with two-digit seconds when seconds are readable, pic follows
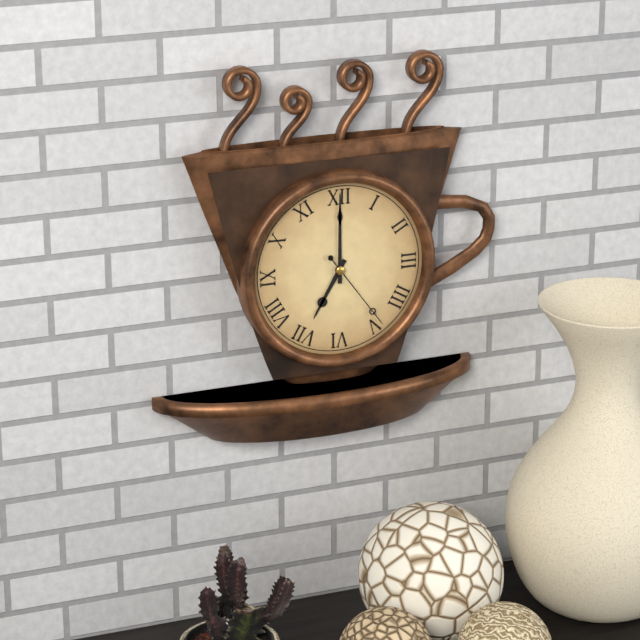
7,00,24
